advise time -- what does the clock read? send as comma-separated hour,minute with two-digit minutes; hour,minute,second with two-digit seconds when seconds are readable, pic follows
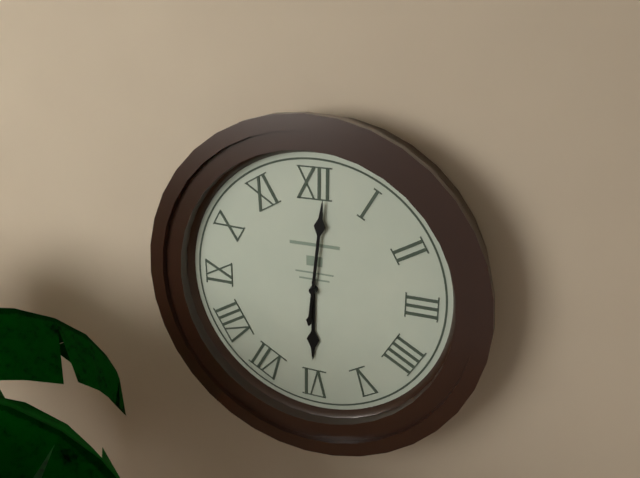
6,01
